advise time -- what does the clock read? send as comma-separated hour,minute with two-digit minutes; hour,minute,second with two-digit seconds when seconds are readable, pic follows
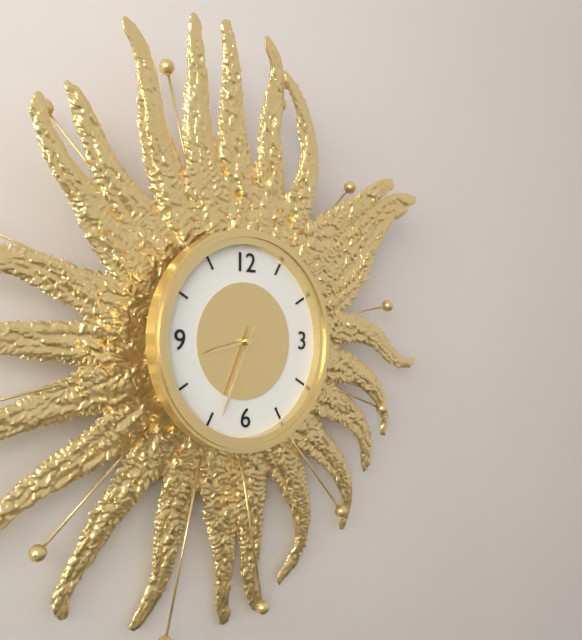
8,34
